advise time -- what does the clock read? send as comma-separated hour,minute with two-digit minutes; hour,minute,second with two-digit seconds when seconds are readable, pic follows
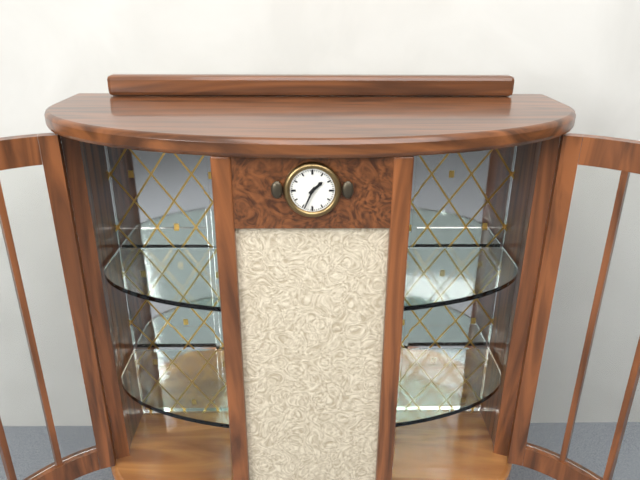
1,34
